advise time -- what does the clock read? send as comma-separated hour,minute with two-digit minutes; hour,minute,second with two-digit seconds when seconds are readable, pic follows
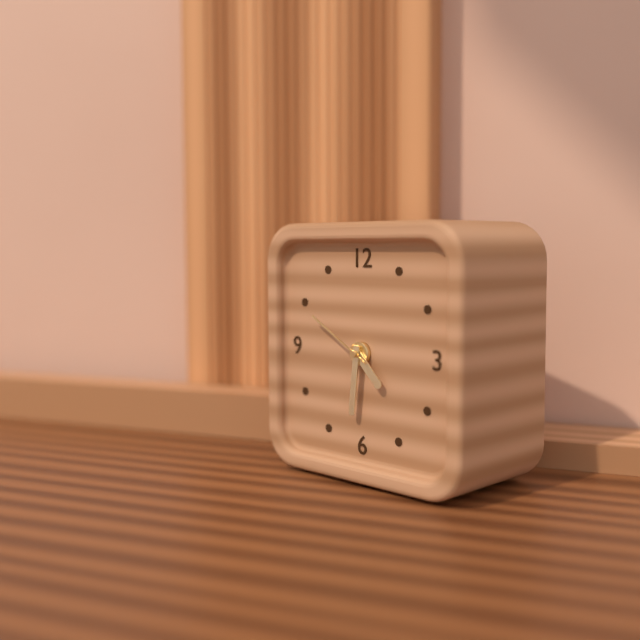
4,31,50
